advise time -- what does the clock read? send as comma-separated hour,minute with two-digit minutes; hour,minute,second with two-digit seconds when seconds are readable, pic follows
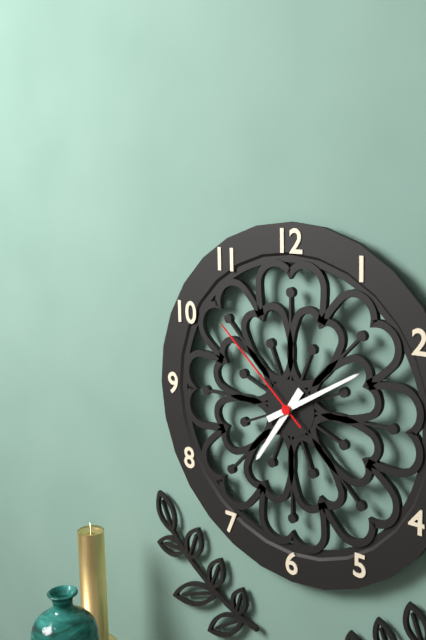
7,10,52
